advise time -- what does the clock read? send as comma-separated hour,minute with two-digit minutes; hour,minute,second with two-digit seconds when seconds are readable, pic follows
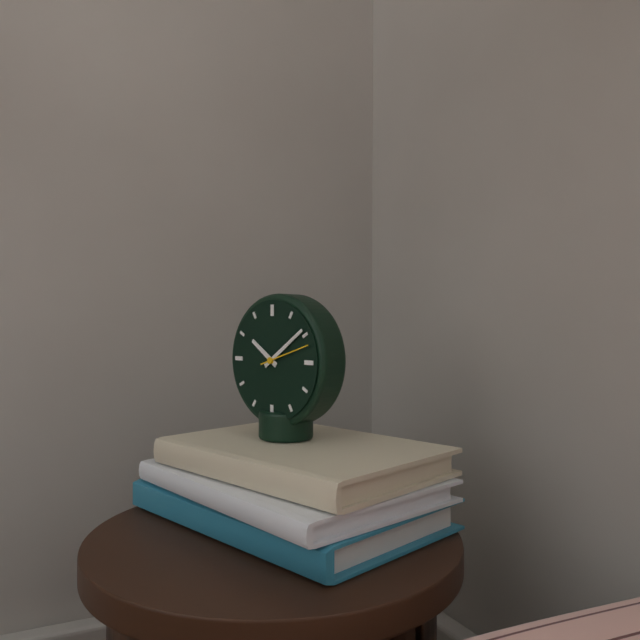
10,09
